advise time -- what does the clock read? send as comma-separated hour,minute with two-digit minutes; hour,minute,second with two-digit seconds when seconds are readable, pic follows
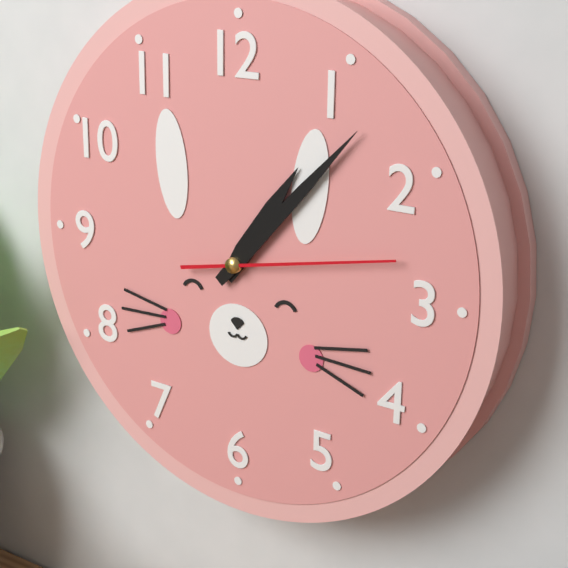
1,07,13
